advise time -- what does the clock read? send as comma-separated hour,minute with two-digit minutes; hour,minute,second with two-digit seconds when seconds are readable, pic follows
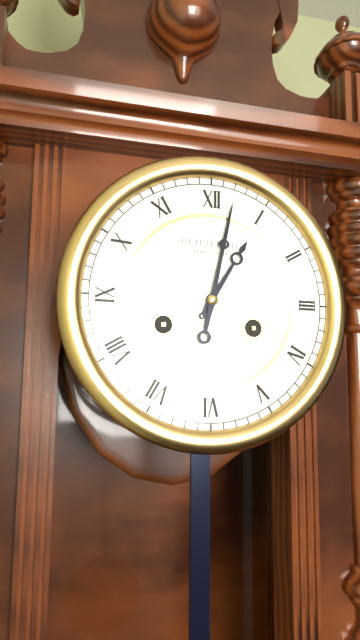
1,02
